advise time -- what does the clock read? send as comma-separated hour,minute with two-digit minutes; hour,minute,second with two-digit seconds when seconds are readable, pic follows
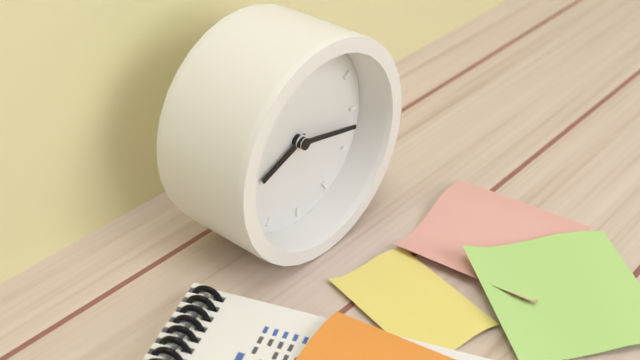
8,17
